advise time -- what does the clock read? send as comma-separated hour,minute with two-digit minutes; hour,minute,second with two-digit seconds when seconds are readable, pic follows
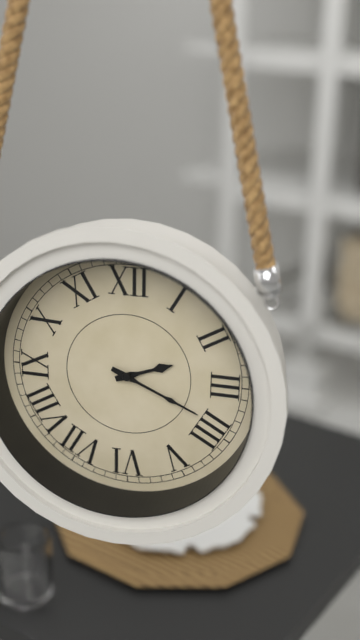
2,19
